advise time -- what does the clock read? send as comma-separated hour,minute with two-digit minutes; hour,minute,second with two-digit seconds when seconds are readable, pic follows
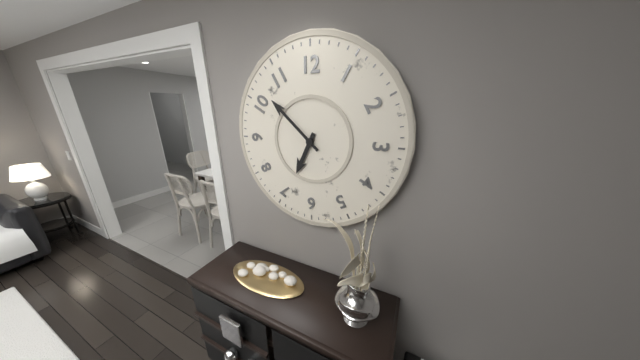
6,52
